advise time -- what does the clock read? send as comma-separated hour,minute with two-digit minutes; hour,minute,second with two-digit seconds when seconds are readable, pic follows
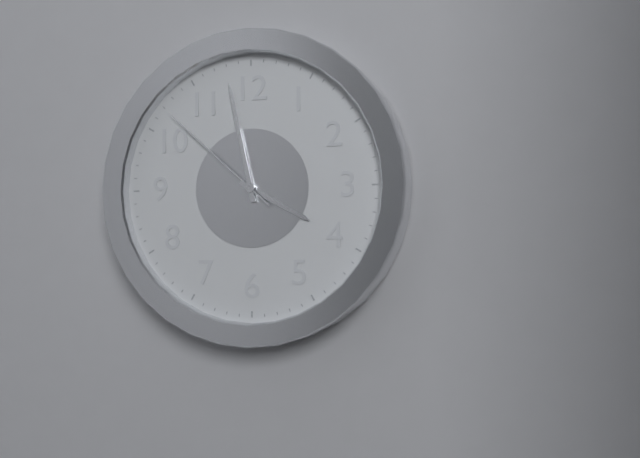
3,58,52
